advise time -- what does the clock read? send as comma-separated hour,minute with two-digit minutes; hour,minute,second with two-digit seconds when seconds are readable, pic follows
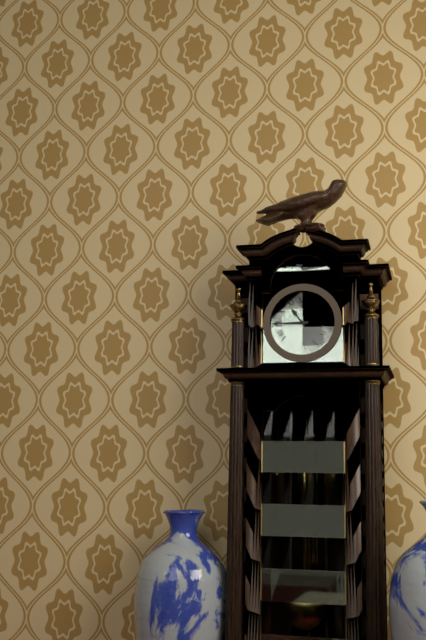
10,45
